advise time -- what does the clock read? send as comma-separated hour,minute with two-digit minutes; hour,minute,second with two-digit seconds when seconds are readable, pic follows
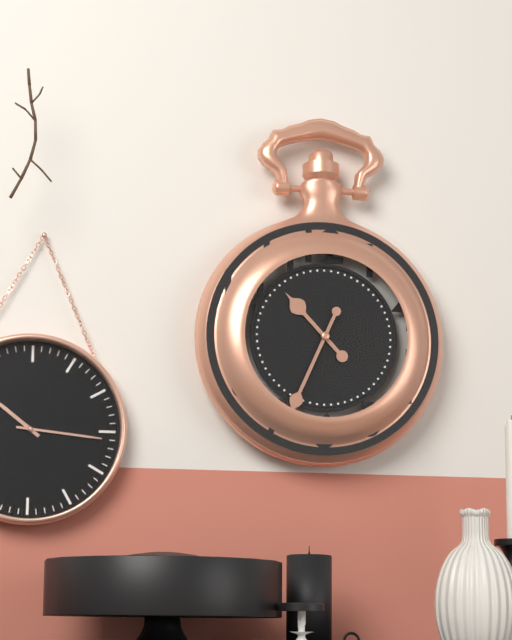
10,34
